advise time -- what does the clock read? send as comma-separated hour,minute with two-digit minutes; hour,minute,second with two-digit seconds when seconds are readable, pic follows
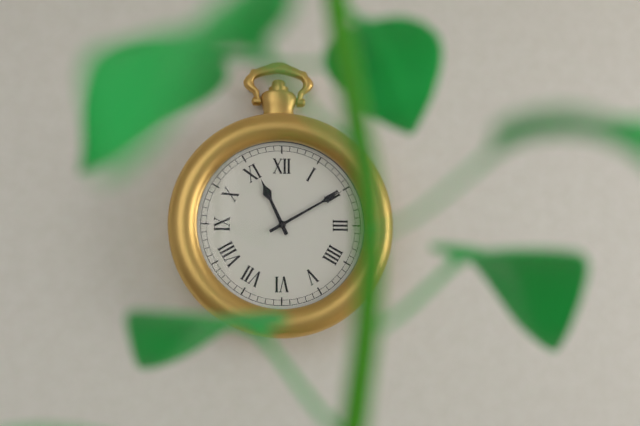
11,10
